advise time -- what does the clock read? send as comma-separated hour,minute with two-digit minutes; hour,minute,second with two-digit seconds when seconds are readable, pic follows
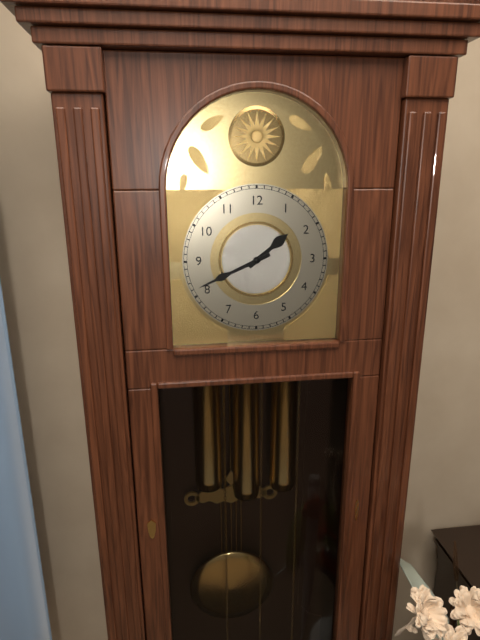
1,41
